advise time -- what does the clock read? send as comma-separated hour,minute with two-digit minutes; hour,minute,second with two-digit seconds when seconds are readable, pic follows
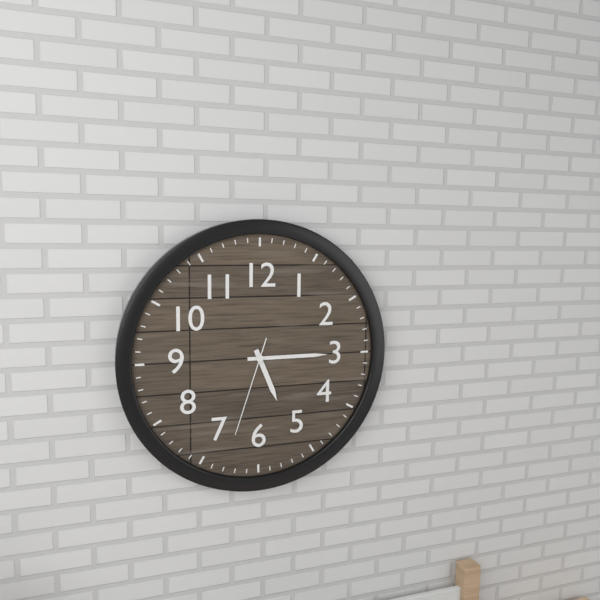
5,15,33
